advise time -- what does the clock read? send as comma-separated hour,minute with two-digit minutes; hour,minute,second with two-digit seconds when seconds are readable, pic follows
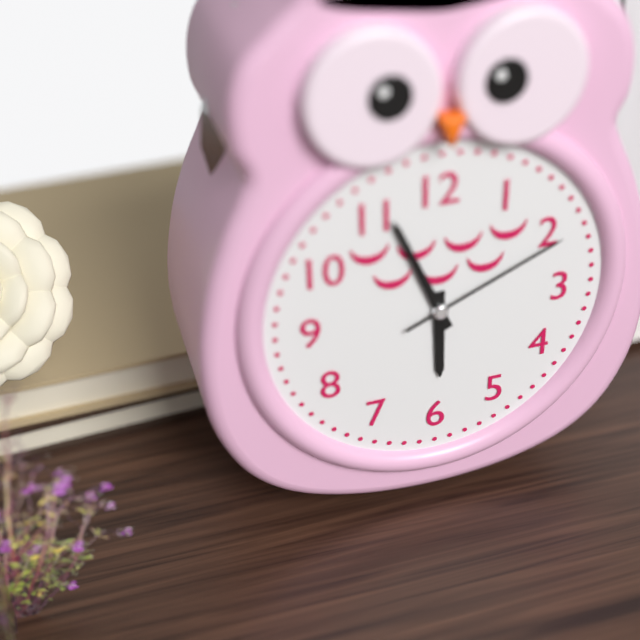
5,56,11
